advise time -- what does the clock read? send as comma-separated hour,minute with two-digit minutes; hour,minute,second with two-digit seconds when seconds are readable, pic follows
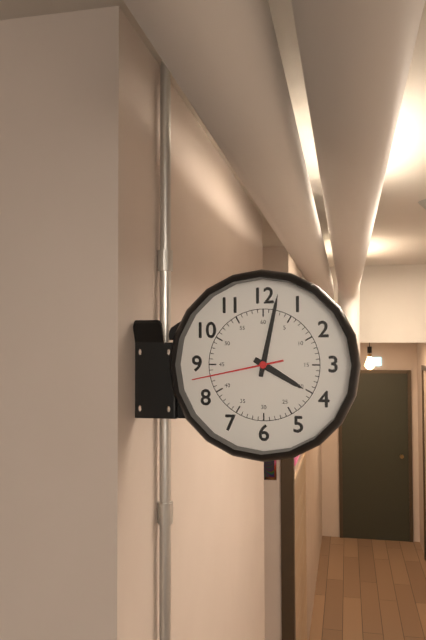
4,02,43
